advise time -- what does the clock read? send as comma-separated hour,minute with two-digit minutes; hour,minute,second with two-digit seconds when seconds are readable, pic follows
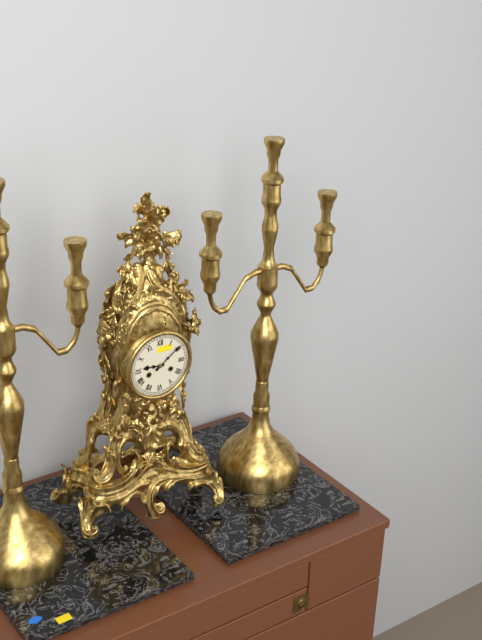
9,09
